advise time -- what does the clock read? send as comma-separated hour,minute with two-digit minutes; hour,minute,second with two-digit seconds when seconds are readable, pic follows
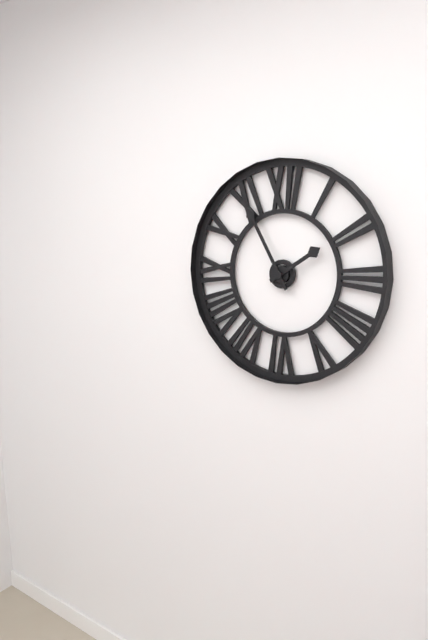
1,55
